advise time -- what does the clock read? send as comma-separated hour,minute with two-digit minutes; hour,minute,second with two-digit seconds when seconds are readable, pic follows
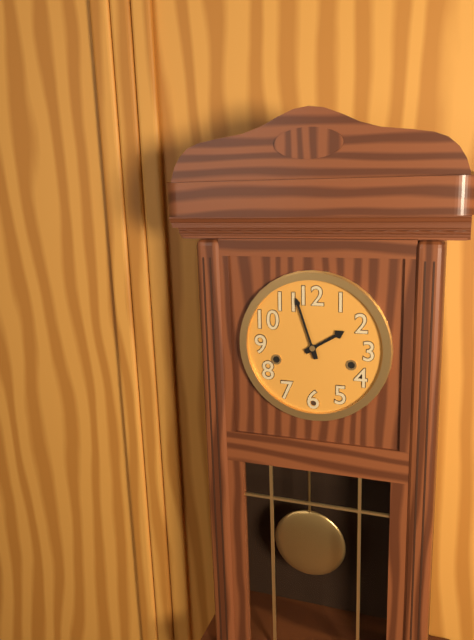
1,57
